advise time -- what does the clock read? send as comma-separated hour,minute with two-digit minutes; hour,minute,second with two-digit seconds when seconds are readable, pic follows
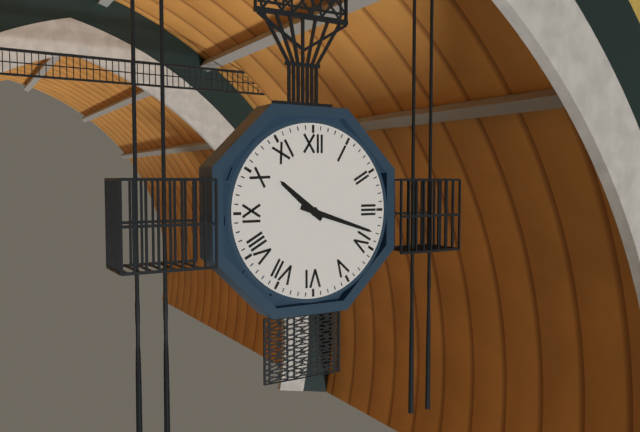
10,18
